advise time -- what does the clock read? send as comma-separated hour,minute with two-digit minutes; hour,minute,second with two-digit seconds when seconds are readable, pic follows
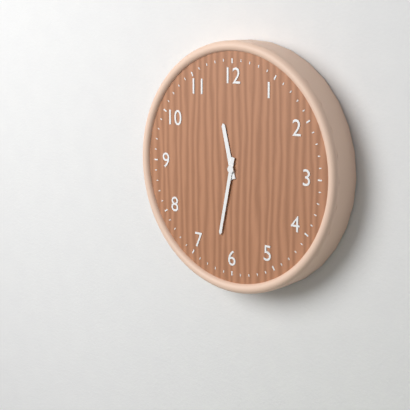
11,32
